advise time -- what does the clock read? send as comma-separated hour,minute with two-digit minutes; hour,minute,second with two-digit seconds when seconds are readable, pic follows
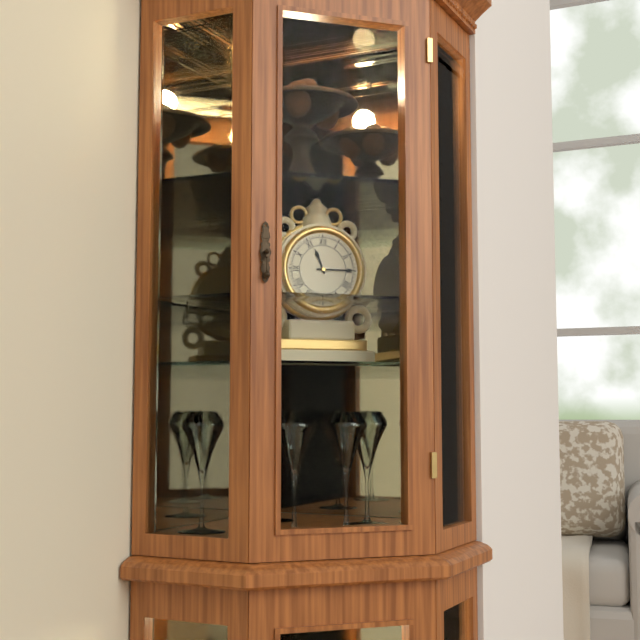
11,15
